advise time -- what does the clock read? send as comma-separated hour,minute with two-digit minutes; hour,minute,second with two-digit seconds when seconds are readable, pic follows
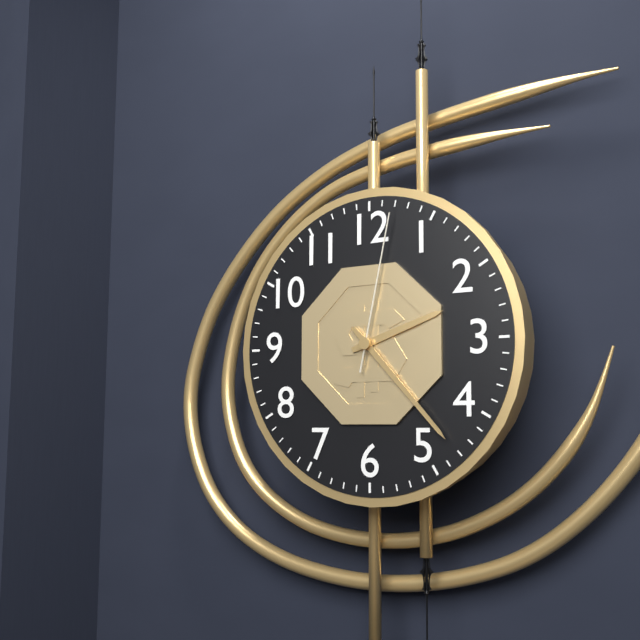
2,23,02
